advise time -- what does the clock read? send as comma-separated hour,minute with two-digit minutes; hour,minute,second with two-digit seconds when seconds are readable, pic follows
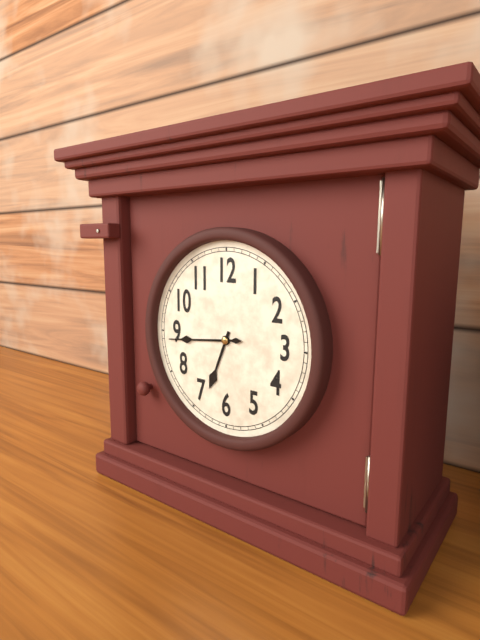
6,44
